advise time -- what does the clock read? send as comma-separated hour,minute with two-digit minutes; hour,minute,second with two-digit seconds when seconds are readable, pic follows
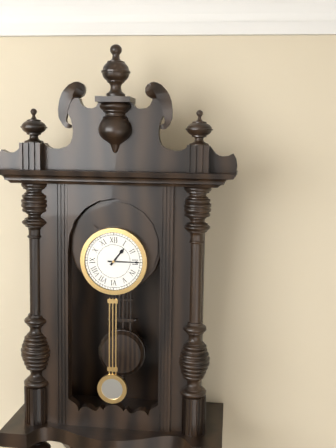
1,15
